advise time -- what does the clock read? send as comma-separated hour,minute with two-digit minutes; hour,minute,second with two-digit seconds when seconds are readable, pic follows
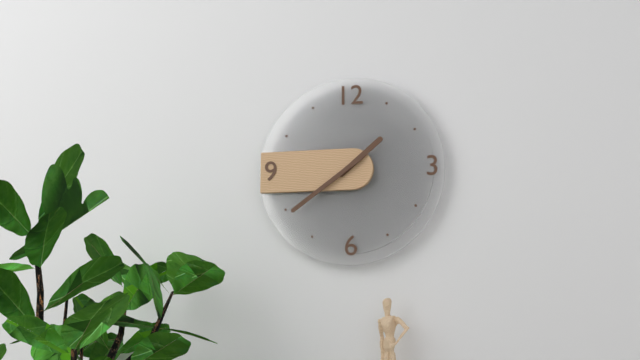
1,39
